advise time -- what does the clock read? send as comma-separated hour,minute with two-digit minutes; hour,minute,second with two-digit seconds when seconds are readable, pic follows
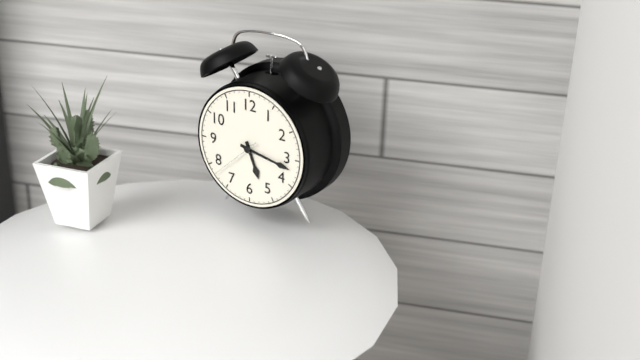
5,17,38
